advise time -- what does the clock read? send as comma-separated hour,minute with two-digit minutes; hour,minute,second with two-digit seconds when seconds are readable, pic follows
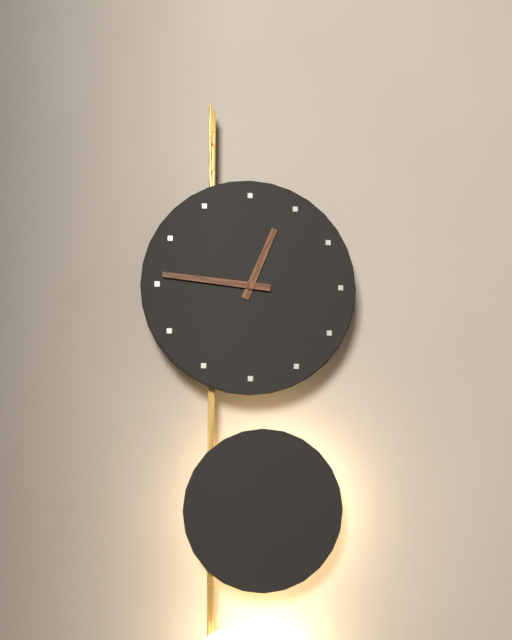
12,46
